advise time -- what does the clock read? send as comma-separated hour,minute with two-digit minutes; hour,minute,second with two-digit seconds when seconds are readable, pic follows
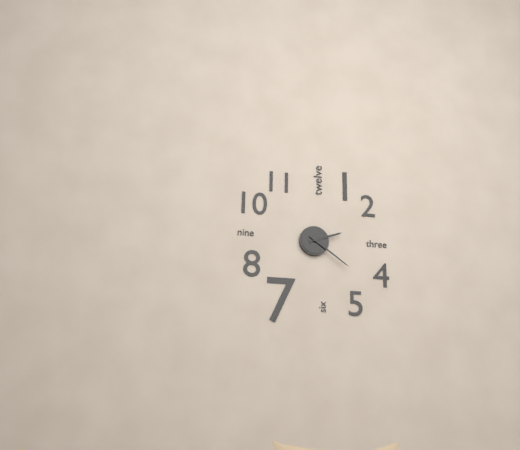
2,21
